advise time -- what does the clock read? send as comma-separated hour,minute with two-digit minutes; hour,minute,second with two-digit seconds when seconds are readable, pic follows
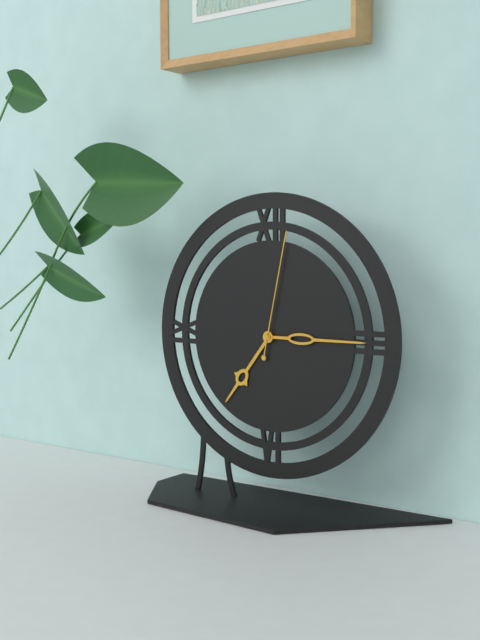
7,15,02
